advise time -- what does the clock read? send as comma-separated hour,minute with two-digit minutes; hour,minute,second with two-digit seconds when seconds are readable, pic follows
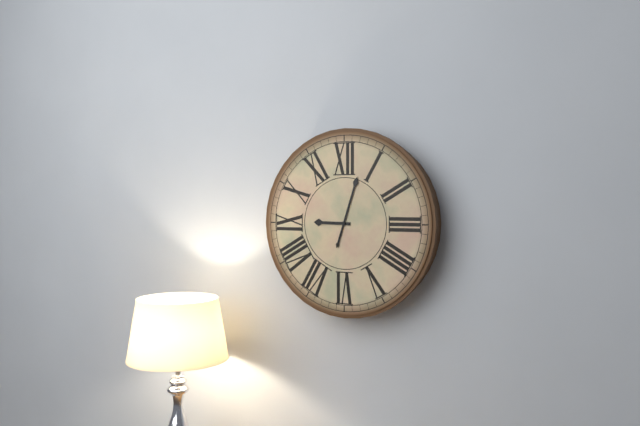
9,03
